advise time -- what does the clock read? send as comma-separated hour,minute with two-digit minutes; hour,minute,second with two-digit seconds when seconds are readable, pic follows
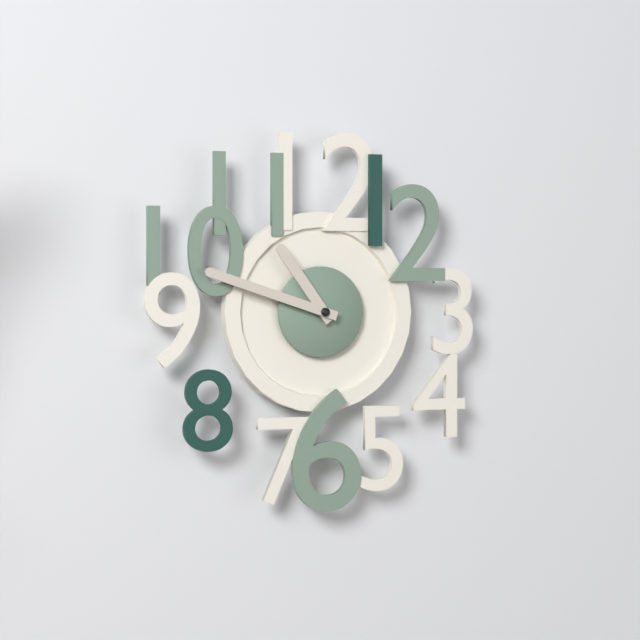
10,48
